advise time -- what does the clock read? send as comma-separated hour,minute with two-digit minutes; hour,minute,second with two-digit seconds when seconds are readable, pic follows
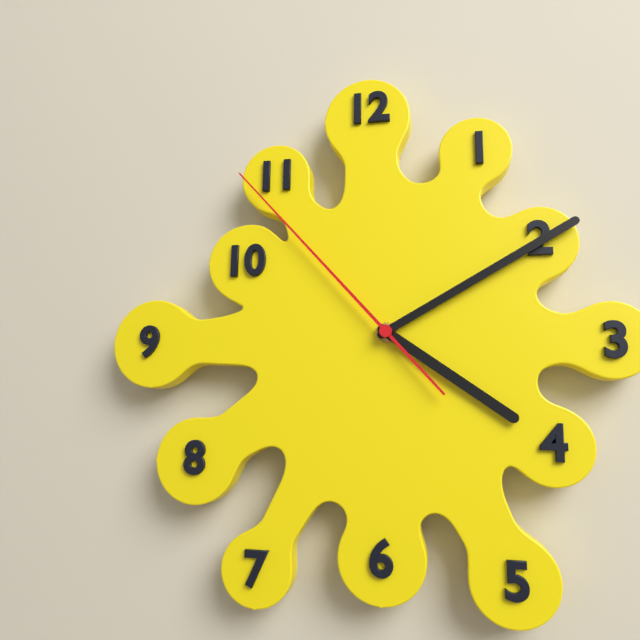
4,10,53
